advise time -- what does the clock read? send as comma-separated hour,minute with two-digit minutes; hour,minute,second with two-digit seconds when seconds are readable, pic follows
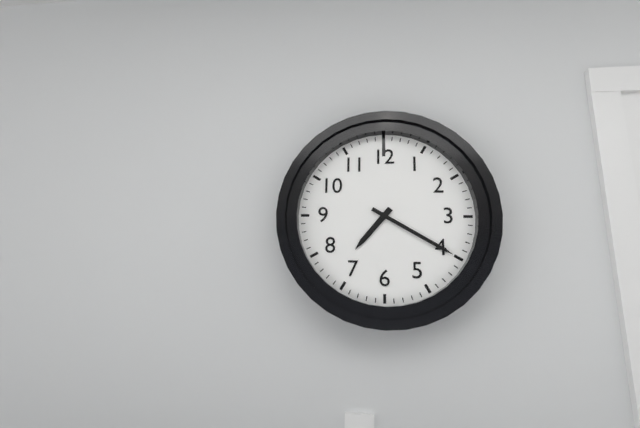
7,20
